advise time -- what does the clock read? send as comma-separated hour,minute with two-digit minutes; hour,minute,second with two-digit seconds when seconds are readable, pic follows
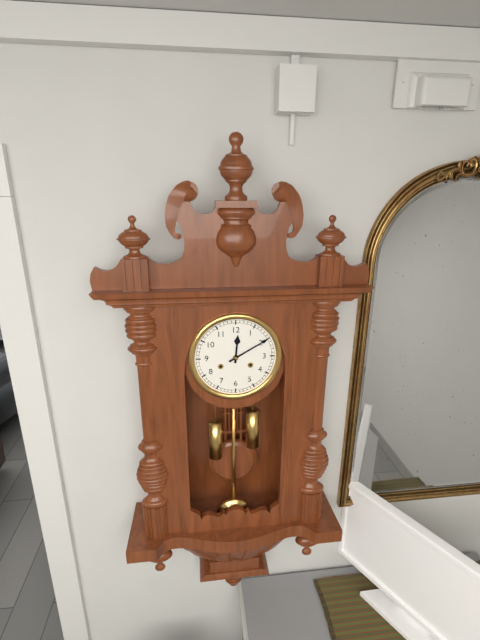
12,10
